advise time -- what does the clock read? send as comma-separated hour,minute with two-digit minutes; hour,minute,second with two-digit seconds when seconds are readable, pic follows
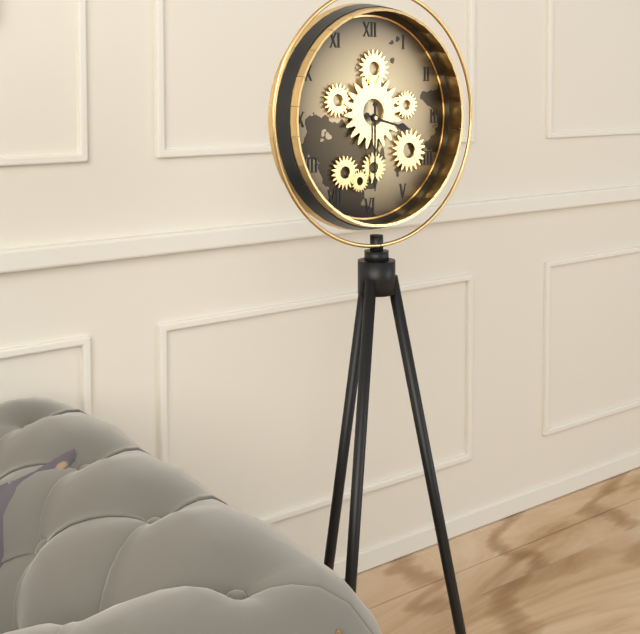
3,30
